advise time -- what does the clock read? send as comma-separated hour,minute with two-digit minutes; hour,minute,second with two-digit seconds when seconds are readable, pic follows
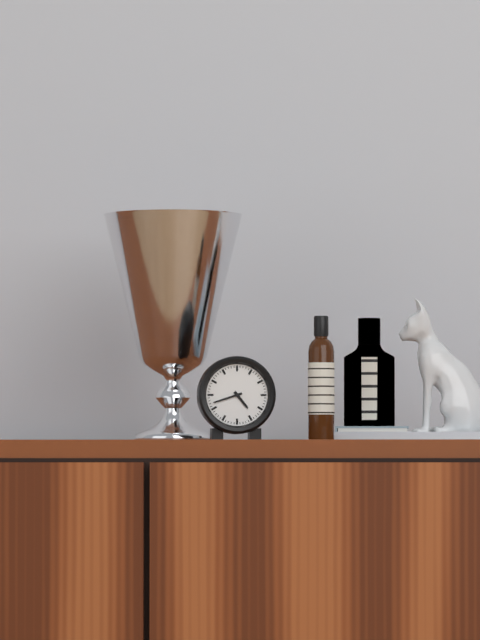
4,42
